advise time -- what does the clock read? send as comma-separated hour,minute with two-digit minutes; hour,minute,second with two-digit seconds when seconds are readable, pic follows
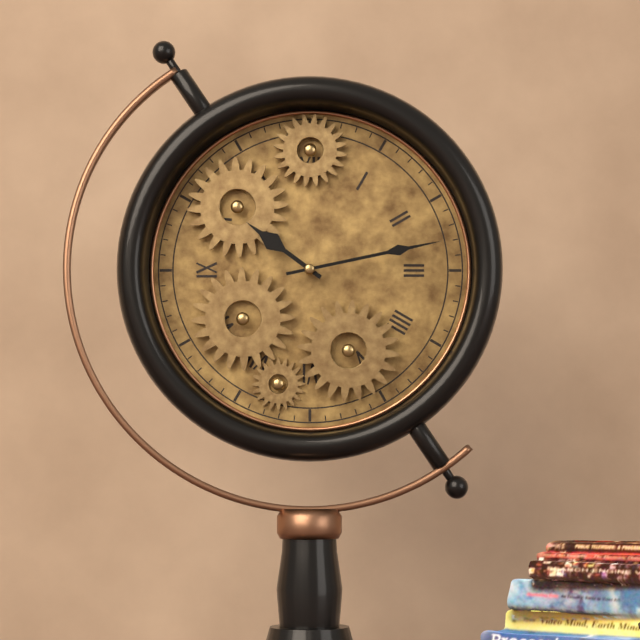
10,13
